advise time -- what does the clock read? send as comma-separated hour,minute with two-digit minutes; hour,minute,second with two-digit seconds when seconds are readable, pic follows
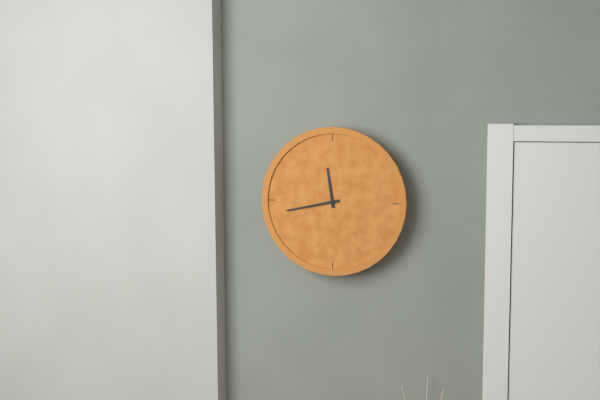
11,43
